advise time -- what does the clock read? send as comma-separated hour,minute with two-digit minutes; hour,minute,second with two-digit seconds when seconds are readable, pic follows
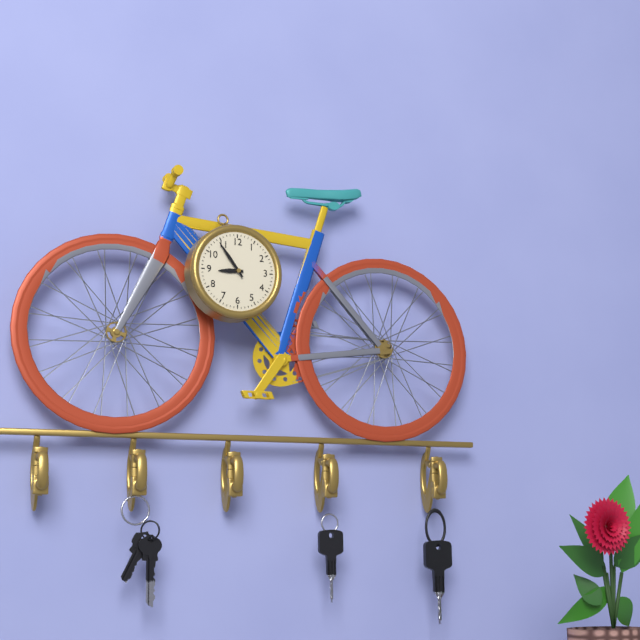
8,54
